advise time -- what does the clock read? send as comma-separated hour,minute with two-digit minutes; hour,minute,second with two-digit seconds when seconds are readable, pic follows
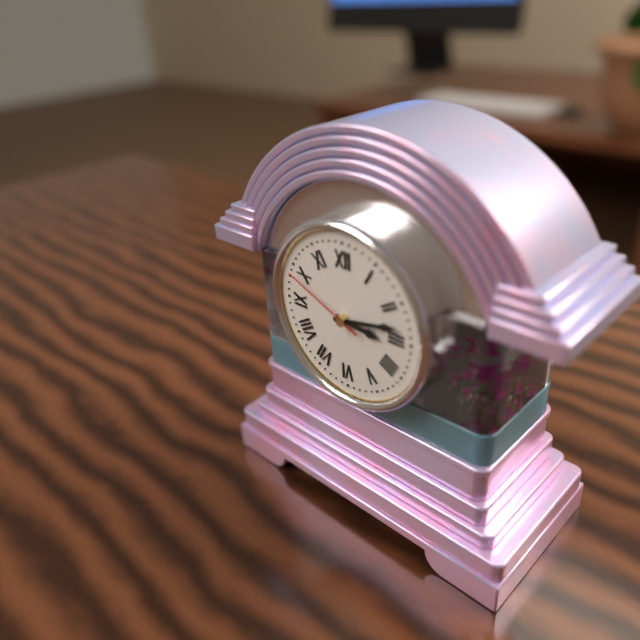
3,13,49
